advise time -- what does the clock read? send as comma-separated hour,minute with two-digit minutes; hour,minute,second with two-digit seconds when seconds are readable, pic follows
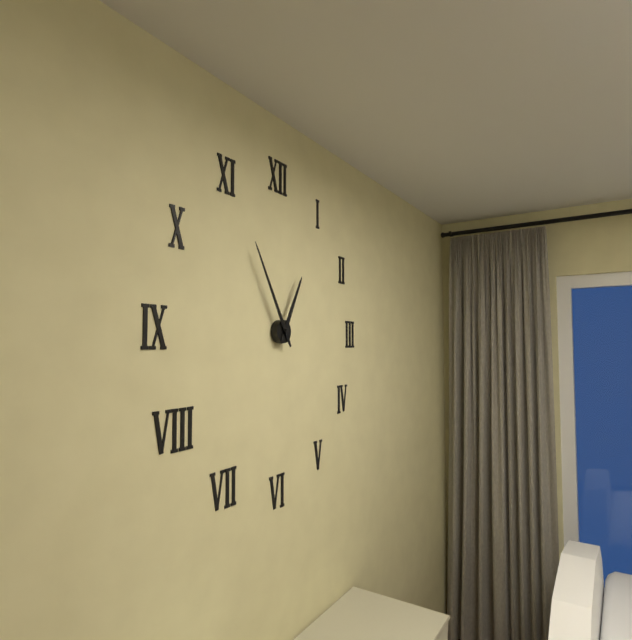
12,55
